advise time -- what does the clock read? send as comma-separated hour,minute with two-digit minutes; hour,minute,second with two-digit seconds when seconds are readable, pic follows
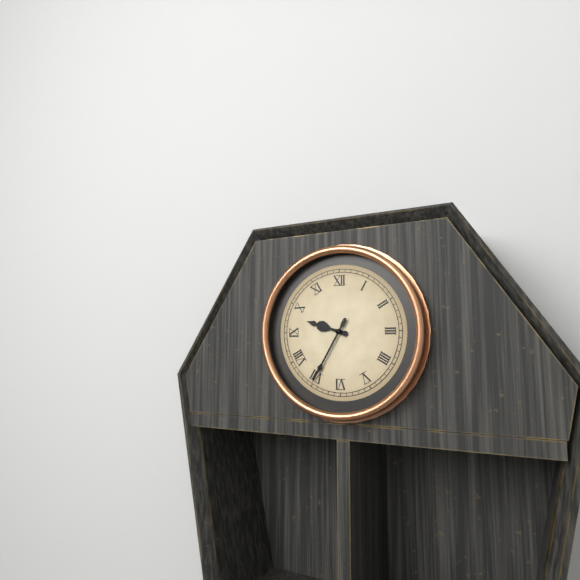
9,35
